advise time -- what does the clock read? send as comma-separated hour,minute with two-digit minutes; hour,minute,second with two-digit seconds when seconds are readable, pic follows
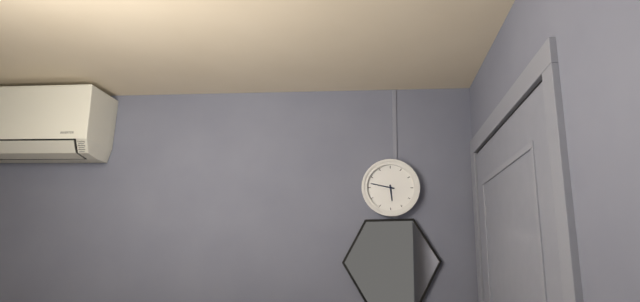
5,47
